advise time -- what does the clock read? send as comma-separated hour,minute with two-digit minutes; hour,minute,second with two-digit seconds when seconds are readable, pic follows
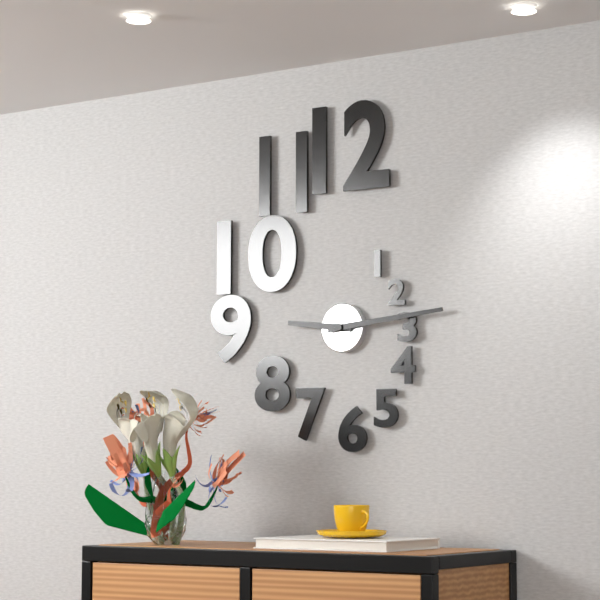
9,14
